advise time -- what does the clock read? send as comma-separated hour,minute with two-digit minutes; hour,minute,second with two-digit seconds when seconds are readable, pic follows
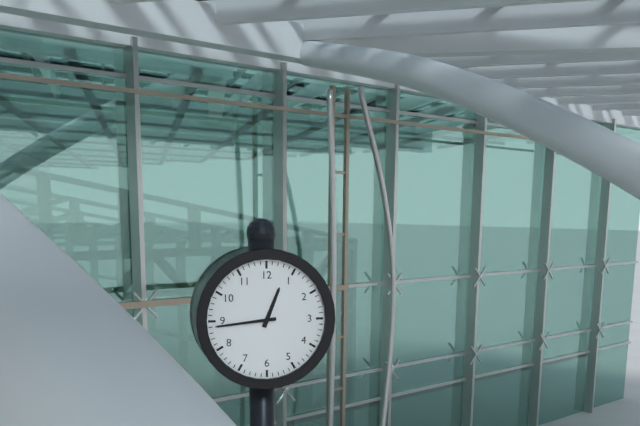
12,44
